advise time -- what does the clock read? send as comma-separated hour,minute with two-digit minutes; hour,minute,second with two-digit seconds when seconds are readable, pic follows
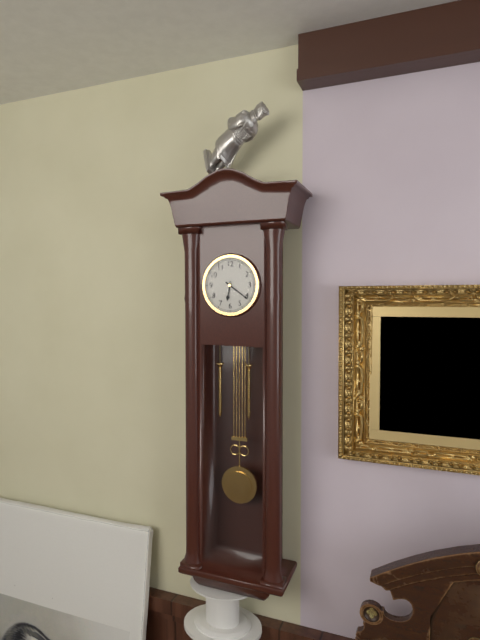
6,21
